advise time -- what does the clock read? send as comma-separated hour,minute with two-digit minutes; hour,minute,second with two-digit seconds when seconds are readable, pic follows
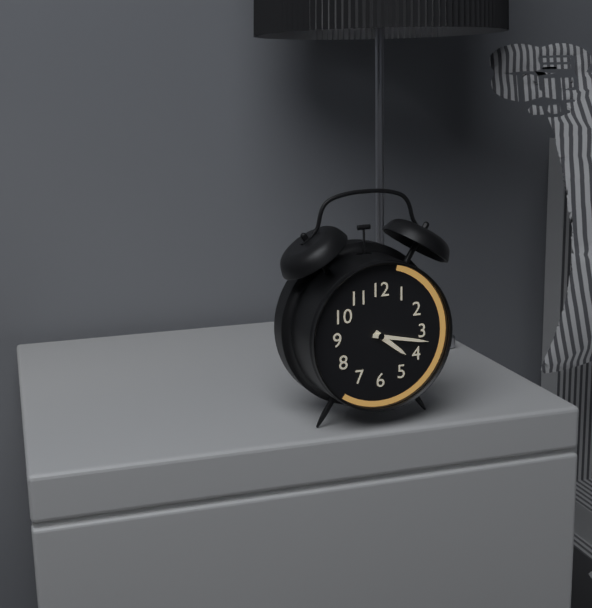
4,17
